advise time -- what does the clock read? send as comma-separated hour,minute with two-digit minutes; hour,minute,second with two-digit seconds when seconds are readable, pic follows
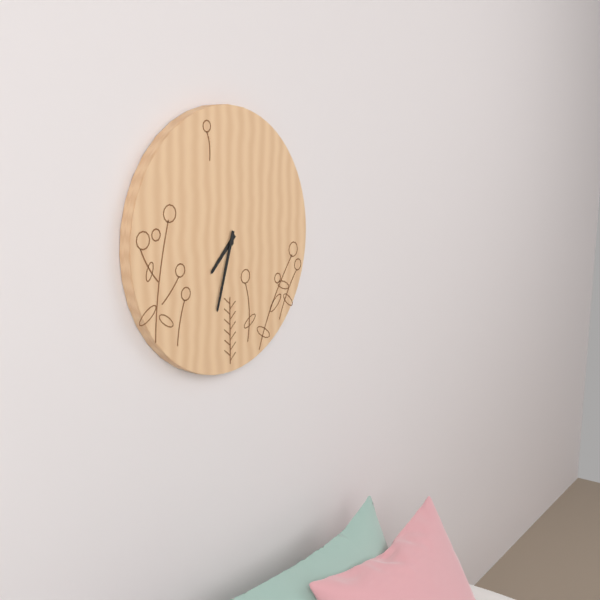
7,33
